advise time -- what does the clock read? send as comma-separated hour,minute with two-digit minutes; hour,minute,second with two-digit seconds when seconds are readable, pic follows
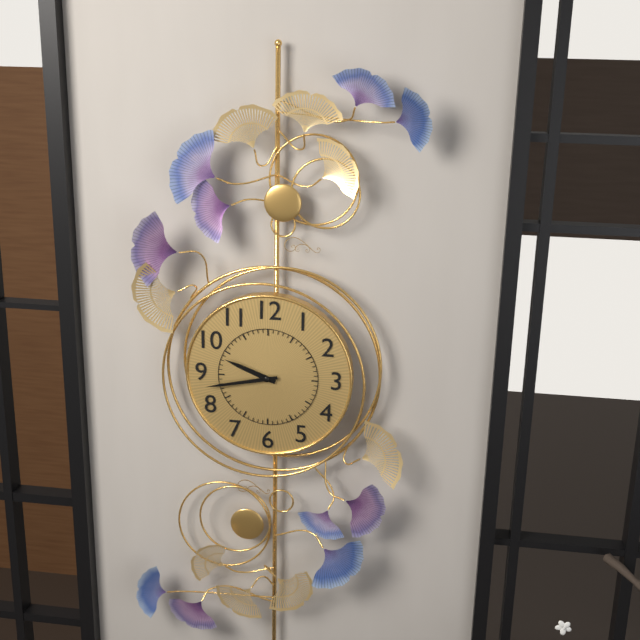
9,43
